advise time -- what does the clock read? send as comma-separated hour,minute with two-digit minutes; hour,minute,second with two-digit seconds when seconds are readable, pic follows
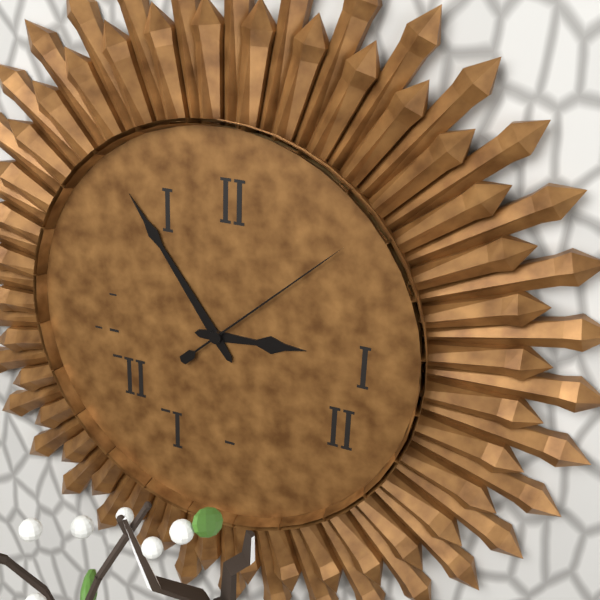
2,54,08
